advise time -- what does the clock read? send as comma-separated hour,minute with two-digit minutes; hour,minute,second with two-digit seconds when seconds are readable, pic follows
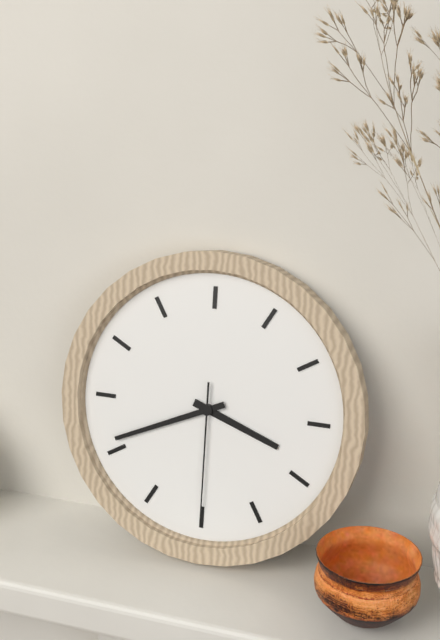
3,41,30
